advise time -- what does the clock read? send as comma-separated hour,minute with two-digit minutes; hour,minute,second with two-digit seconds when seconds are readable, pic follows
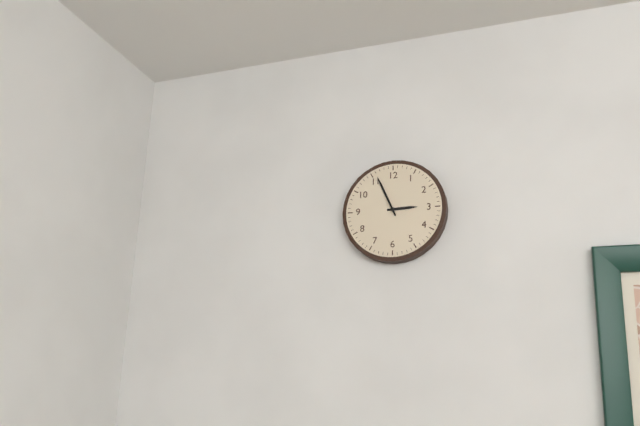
2,56
